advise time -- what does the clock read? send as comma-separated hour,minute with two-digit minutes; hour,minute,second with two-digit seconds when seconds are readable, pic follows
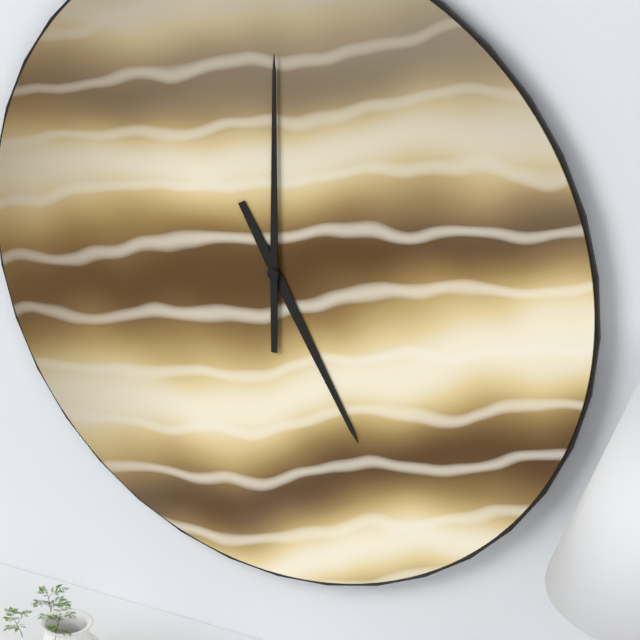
5,00
